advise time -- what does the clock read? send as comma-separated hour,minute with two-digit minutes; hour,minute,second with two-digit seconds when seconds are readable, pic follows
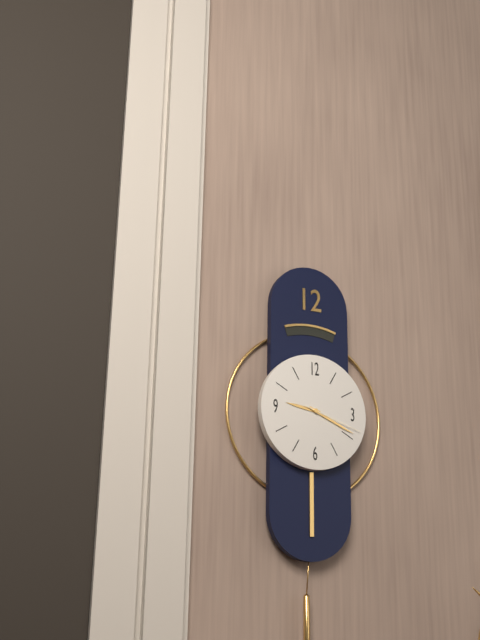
9,19,18
